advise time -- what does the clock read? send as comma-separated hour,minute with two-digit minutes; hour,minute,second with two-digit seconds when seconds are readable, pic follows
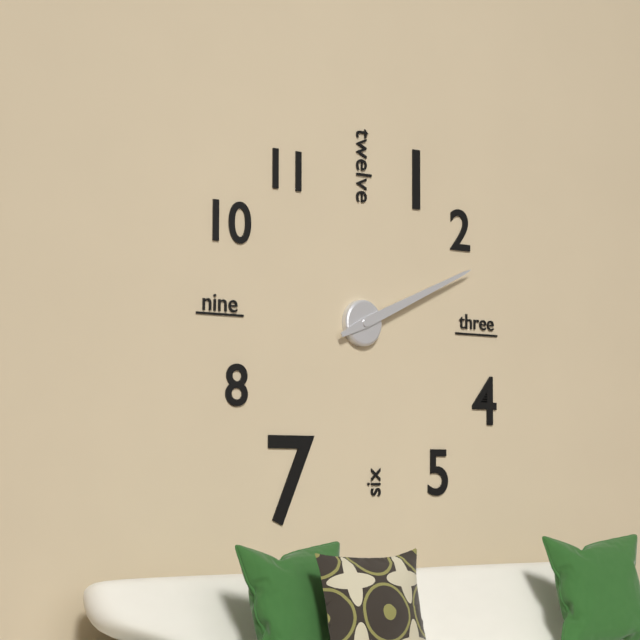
2,11
